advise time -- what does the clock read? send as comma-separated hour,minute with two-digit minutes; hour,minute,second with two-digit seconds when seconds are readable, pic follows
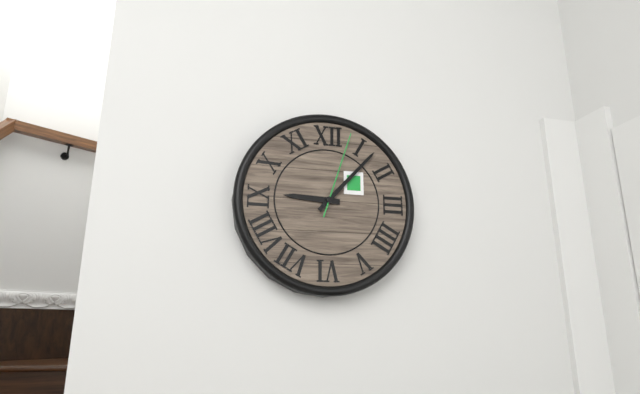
9,07,03
